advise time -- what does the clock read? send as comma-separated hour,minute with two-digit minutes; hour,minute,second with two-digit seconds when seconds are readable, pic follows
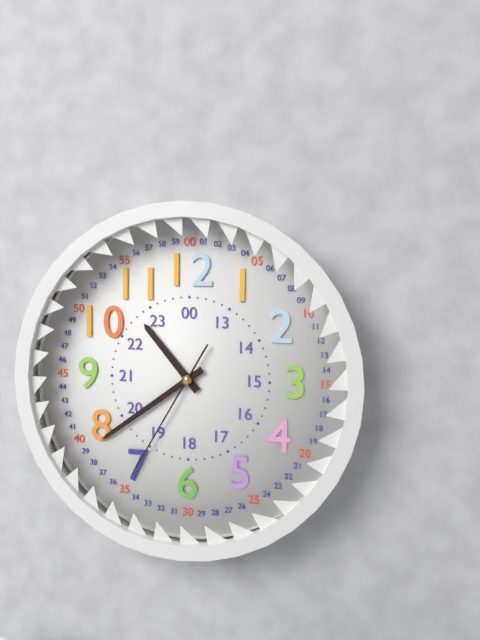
10,39,35
